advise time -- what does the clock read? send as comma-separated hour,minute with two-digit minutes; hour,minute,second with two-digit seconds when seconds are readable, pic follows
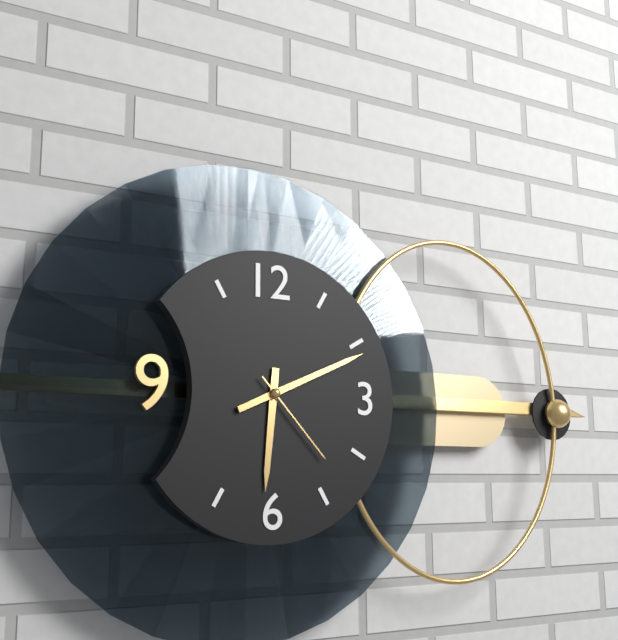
6,11,23
